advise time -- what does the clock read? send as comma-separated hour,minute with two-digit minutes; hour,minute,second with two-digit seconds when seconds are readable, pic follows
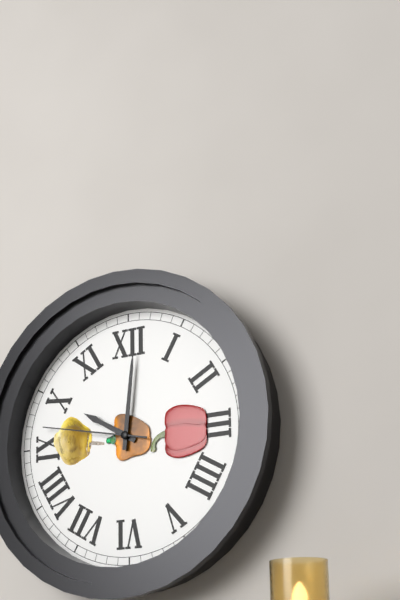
10,01,47
